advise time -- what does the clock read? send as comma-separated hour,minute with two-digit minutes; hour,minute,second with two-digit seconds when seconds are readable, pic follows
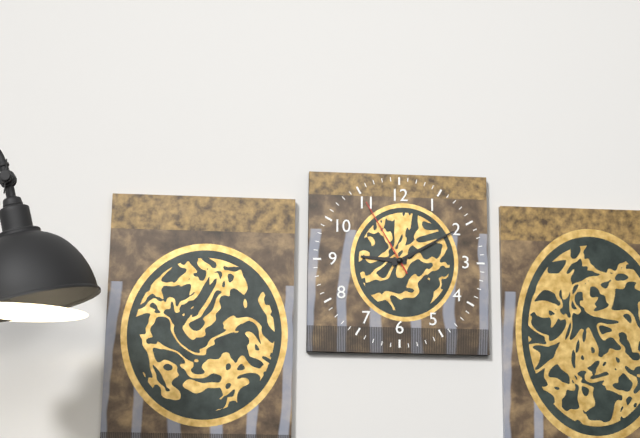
9,10,55
